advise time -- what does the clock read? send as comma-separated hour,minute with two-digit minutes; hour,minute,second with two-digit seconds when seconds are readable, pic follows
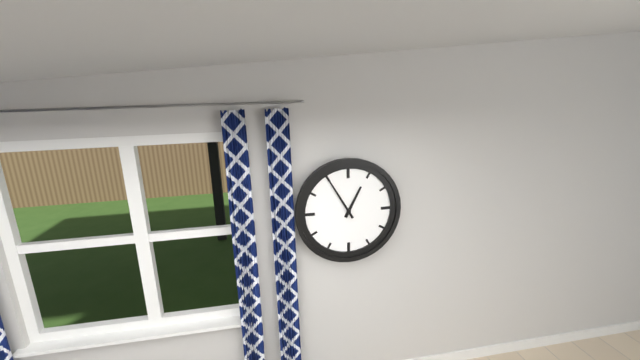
12,55
